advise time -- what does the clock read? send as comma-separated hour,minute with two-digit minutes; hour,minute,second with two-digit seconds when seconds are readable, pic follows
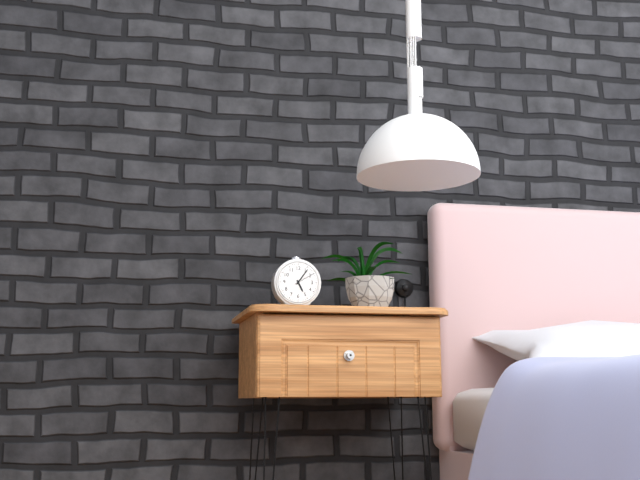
5,06
